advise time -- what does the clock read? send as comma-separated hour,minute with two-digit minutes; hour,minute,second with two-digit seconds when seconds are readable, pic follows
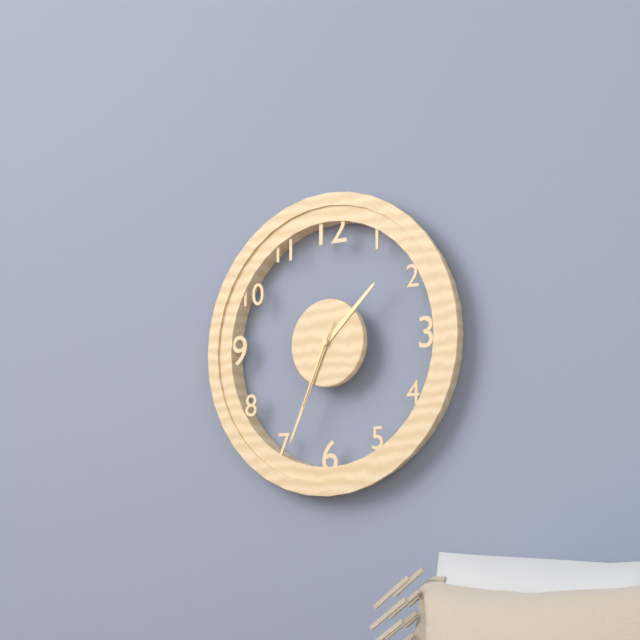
1,34,34
